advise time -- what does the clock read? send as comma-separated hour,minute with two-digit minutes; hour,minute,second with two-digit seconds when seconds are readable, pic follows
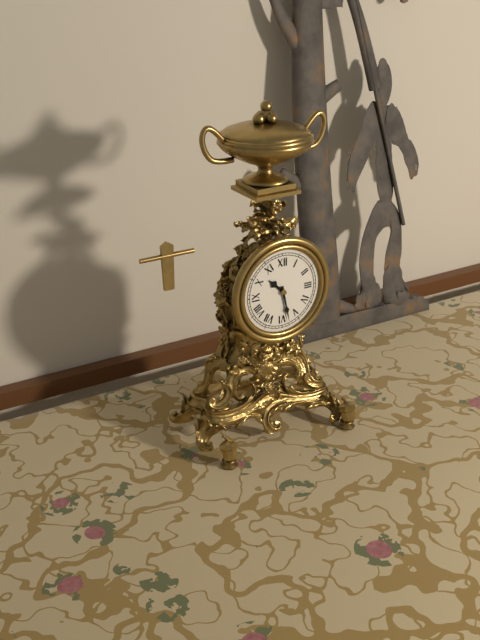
10,28
